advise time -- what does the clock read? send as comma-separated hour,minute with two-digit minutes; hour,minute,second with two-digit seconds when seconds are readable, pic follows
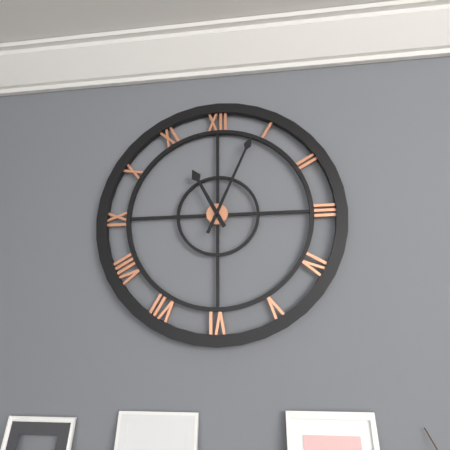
11,04
